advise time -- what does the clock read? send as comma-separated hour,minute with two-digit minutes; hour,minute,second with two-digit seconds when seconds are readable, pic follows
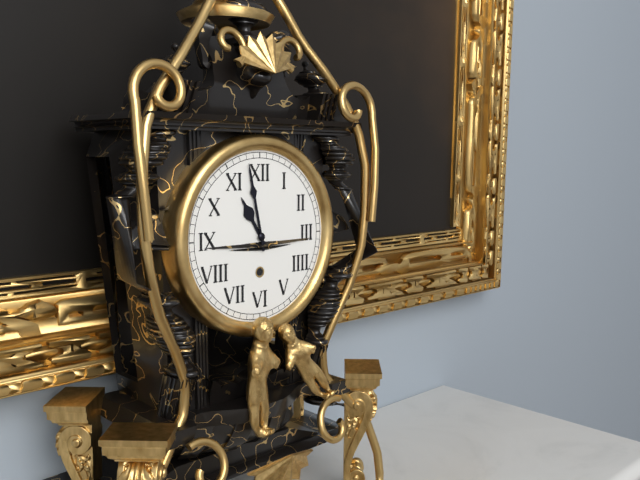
10,58
